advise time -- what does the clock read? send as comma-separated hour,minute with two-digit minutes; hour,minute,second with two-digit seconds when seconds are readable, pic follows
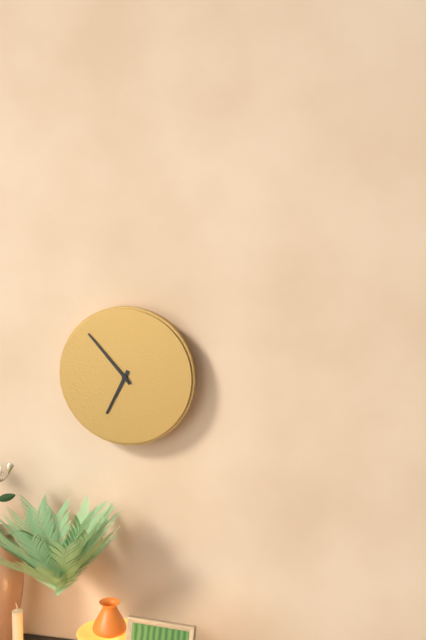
6,53
